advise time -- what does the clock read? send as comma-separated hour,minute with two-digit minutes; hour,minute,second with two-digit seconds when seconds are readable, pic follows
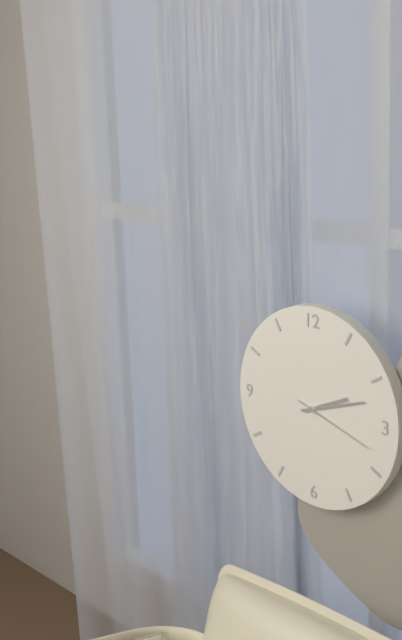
2,12,18
